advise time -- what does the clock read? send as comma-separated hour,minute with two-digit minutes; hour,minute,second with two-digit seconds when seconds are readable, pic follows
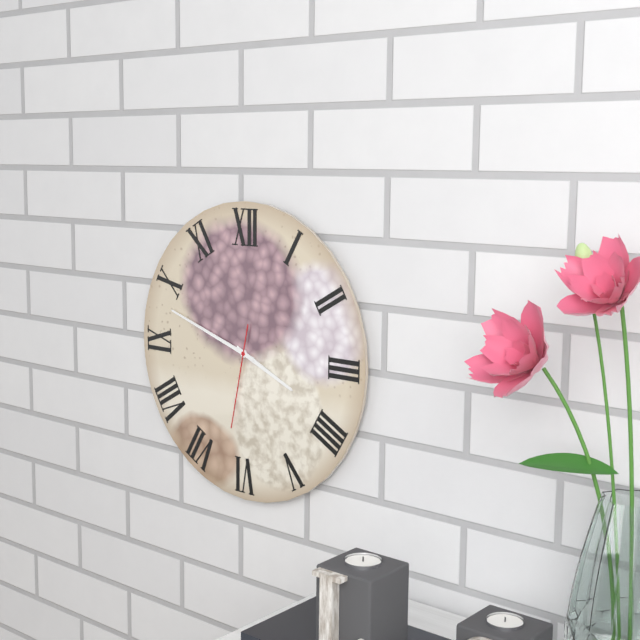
3,48,32
